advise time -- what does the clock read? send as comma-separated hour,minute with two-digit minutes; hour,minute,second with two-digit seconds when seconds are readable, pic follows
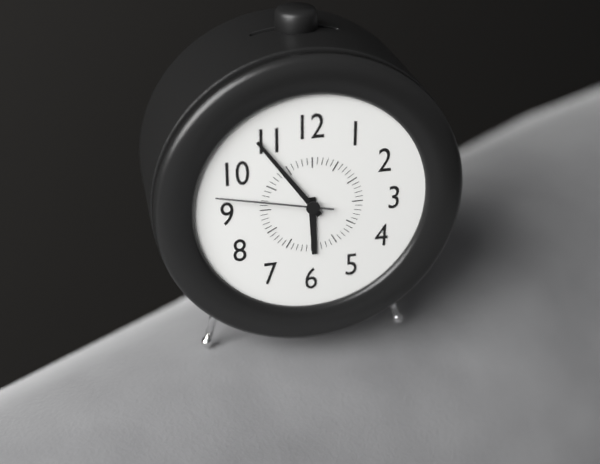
5,54,47
